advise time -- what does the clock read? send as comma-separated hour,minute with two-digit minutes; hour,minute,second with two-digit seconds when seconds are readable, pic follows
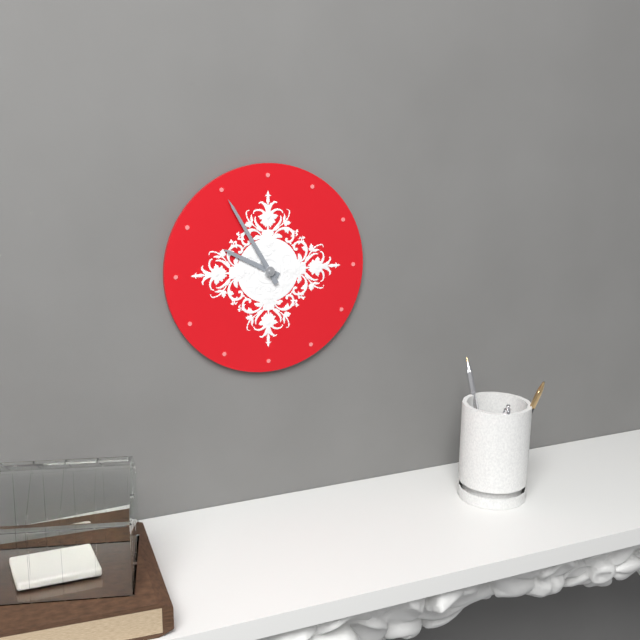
9,55
